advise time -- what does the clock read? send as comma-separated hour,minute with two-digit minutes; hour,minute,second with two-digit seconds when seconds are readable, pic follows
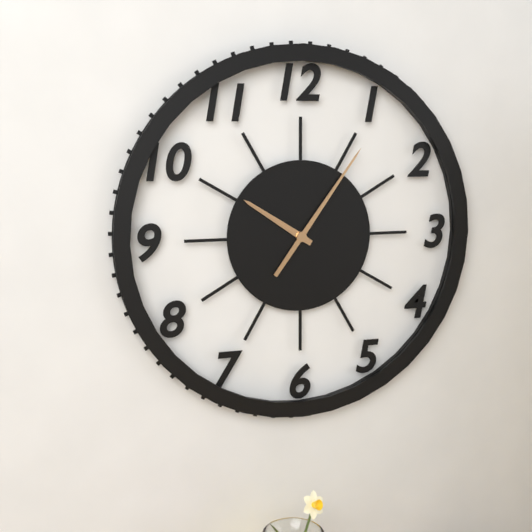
10,06
